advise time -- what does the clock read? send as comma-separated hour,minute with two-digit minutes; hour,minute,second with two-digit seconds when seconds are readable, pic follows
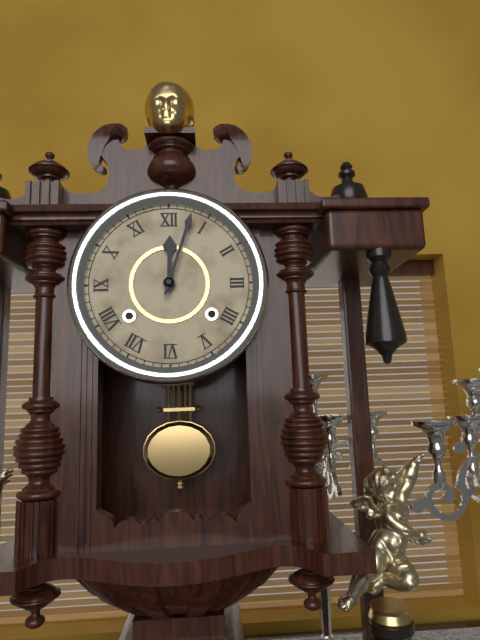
12,03
